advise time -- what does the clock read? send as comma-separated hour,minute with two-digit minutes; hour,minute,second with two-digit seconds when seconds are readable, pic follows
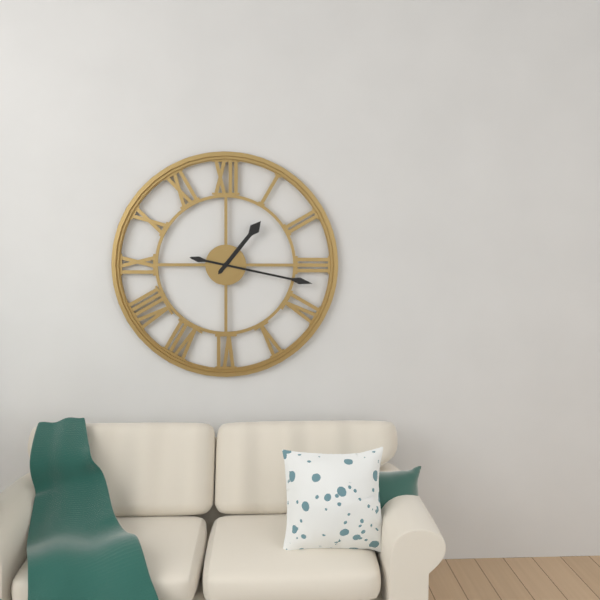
1,17
